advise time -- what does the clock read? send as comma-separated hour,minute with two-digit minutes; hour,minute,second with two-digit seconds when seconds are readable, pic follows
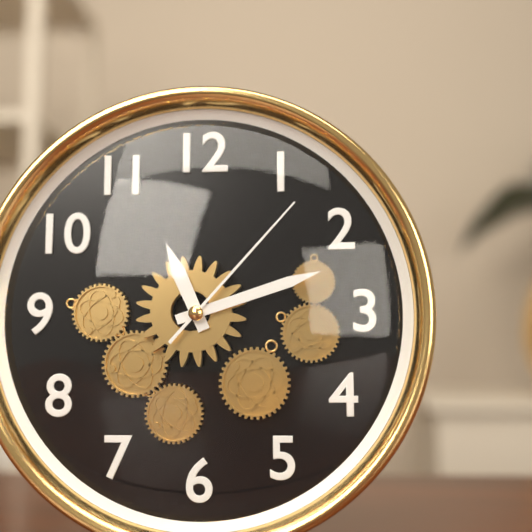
11,12,07
